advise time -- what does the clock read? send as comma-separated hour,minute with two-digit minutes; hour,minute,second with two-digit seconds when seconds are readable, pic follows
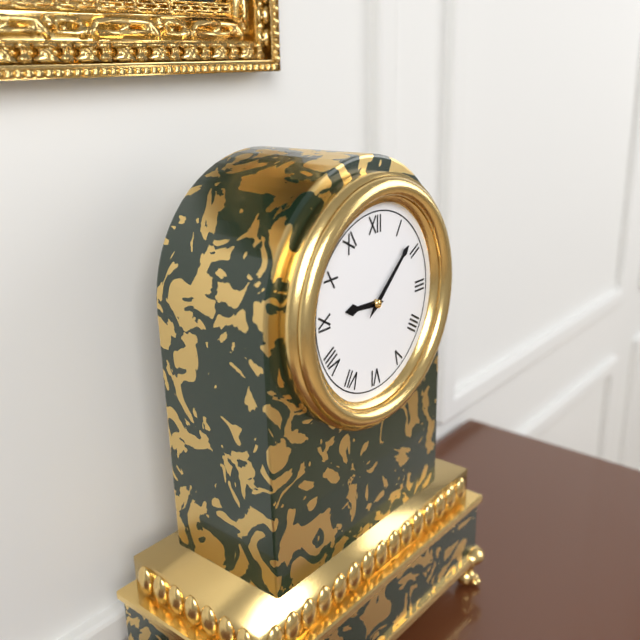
9,08
